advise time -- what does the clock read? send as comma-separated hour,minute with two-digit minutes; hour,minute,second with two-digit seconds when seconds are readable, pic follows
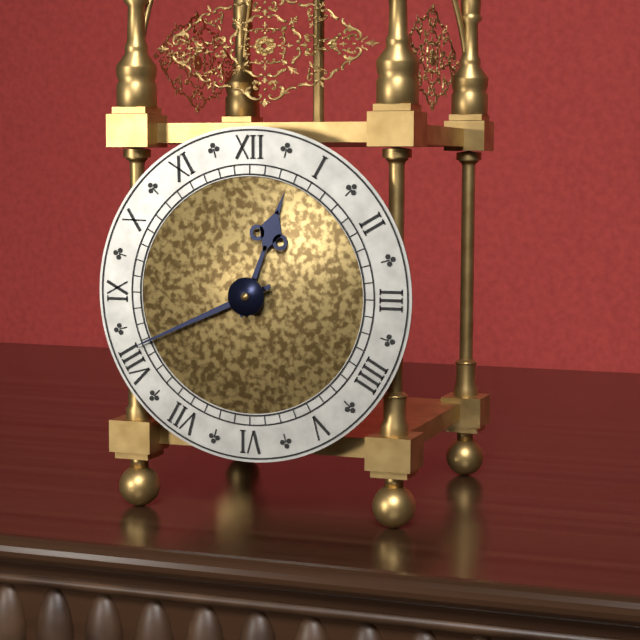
12,41
